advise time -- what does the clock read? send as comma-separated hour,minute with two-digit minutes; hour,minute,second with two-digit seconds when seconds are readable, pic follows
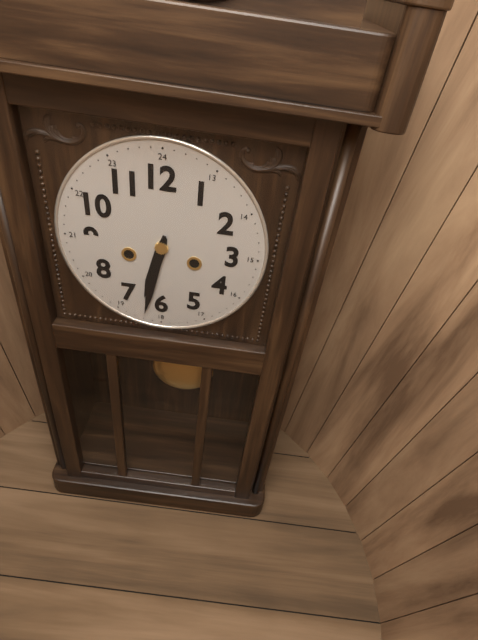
6,32
